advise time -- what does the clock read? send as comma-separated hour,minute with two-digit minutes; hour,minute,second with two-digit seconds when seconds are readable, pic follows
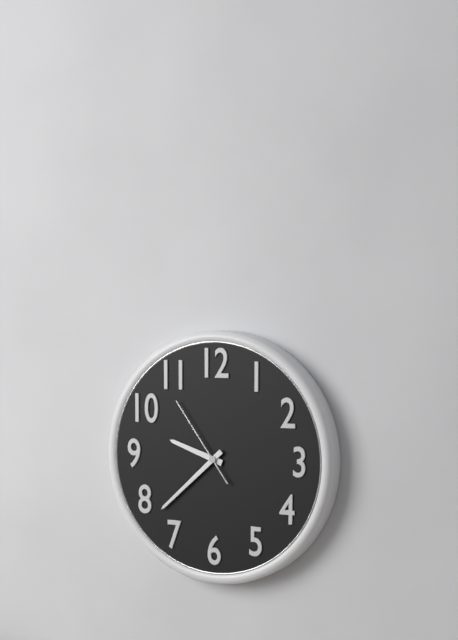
9,38,54
